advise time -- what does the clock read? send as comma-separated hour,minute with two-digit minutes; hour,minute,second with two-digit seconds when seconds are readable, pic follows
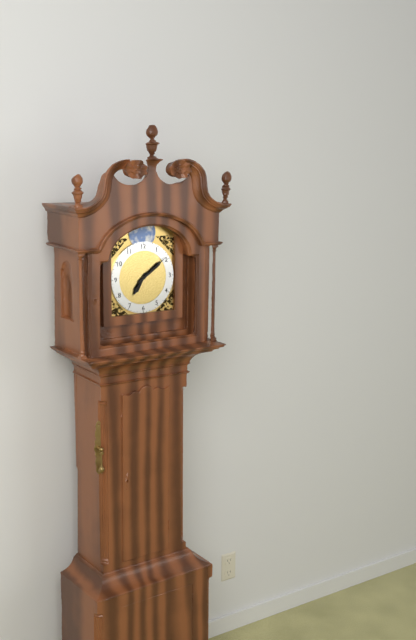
7,09
